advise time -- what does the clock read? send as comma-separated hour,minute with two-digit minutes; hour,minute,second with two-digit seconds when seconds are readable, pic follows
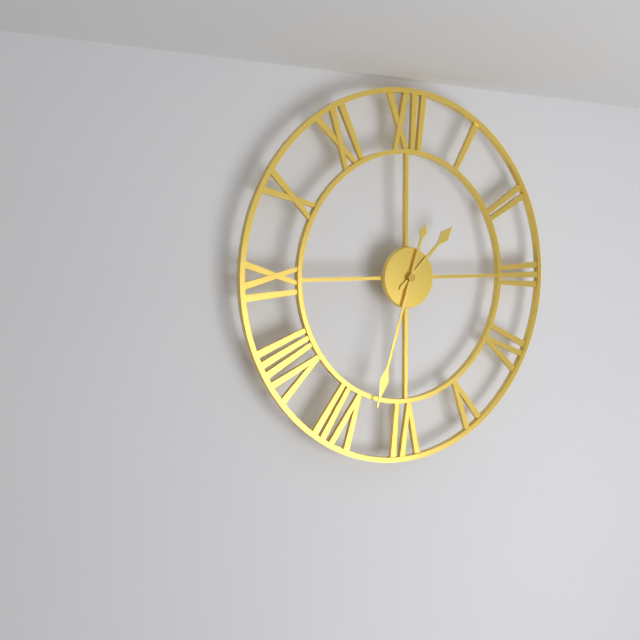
1,33
